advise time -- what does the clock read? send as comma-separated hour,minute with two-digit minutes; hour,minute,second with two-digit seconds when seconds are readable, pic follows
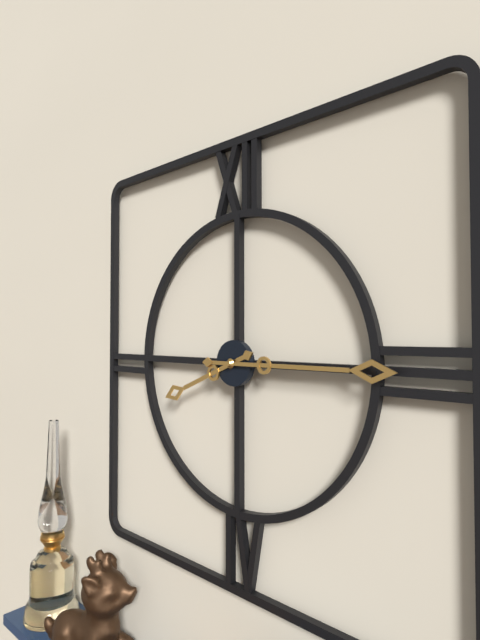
8,15
